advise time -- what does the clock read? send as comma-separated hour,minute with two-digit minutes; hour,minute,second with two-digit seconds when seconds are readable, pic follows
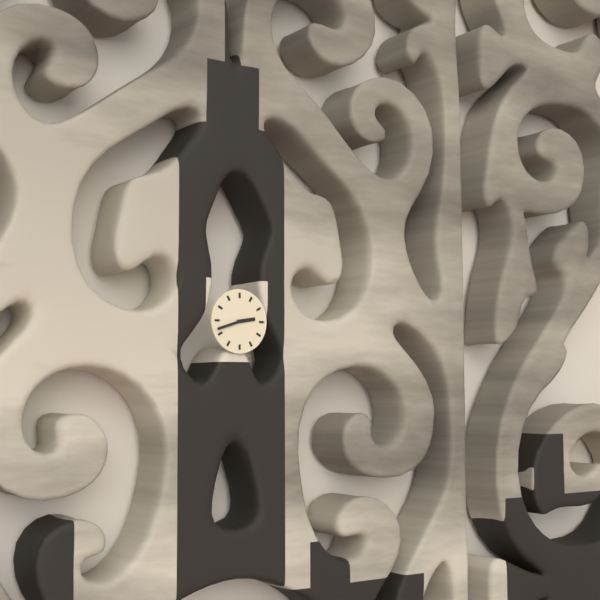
2,42
